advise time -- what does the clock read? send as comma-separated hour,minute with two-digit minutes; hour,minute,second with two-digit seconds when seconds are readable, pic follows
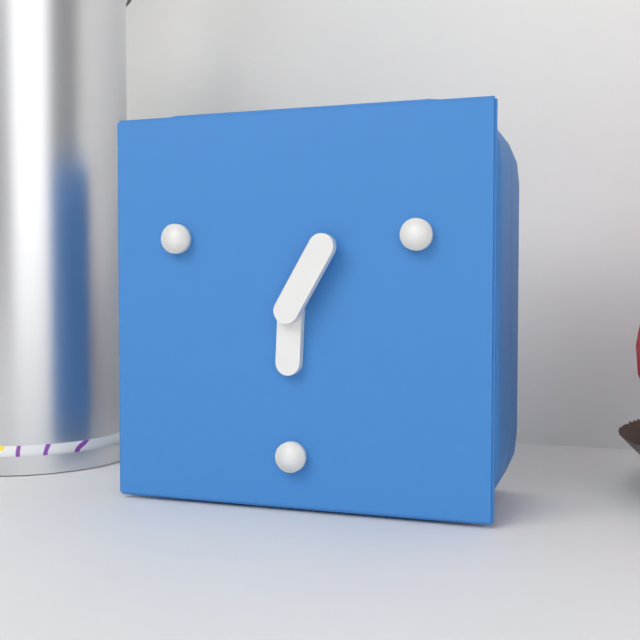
6,05
